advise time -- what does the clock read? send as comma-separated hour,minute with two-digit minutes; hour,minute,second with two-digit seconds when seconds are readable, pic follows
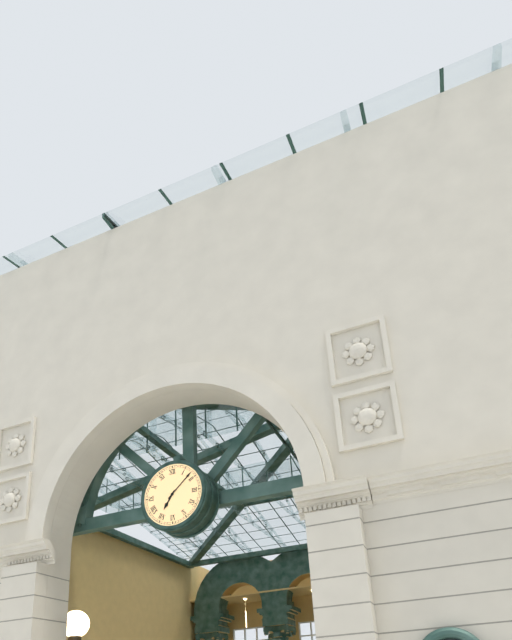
7,08
